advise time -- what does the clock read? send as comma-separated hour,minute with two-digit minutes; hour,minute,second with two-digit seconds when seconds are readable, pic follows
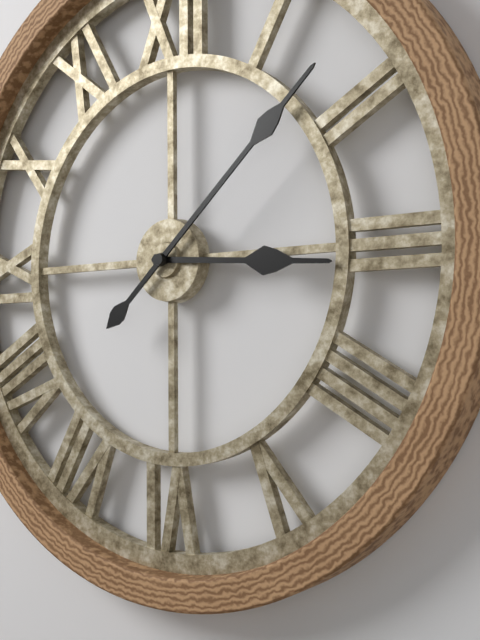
3,08
